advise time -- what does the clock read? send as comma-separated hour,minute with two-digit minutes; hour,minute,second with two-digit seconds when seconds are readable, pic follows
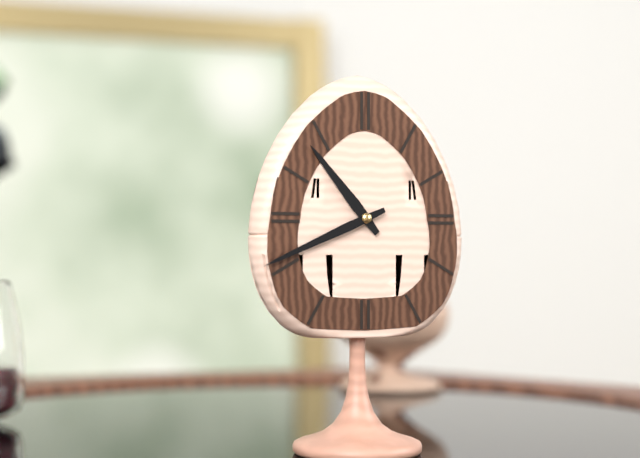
10,41
